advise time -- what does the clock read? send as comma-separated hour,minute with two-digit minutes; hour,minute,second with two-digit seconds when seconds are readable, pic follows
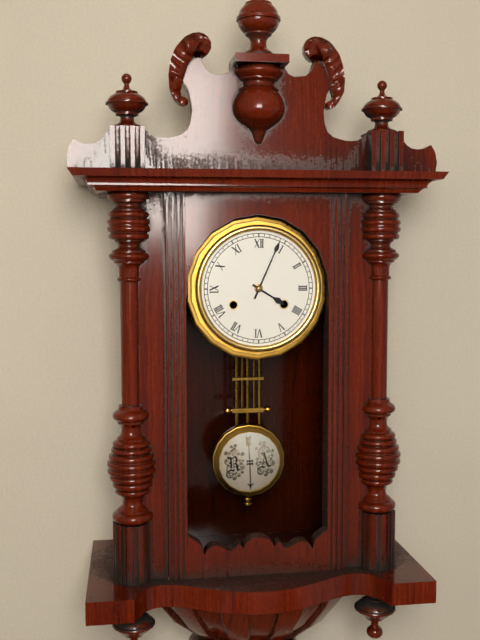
4,04
